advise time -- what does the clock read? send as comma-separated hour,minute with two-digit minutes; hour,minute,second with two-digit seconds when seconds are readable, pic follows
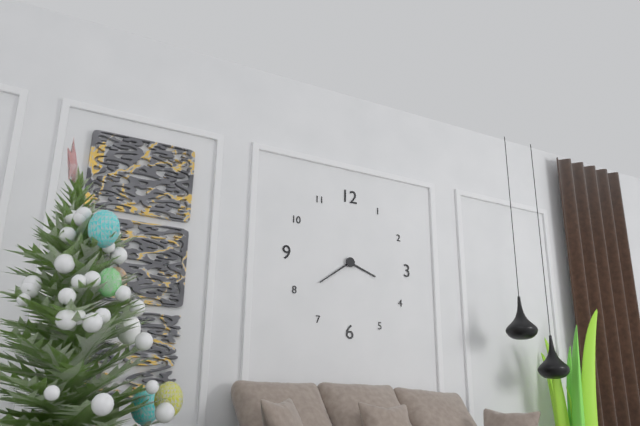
3,39
